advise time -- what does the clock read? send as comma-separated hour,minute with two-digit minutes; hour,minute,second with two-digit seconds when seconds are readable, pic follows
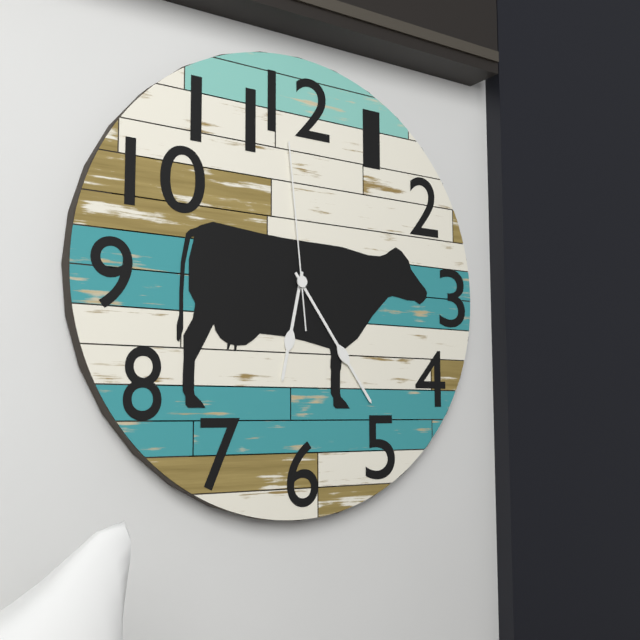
6,24,59
